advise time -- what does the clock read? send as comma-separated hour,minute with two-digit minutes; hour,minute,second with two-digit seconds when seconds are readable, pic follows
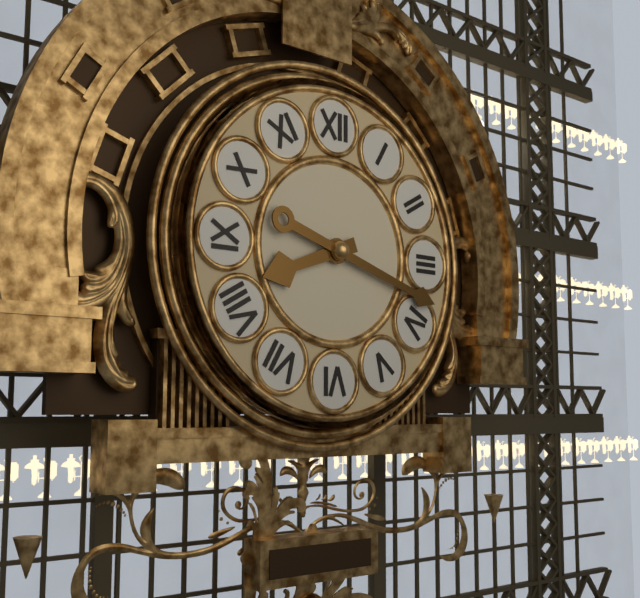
8,18
